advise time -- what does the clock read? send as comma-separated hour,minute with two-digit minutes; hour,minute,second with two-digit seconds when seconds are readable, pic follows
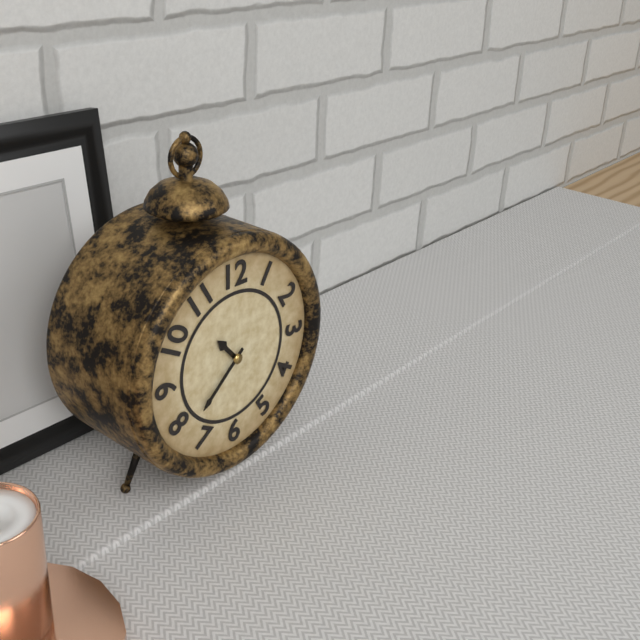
10,38
